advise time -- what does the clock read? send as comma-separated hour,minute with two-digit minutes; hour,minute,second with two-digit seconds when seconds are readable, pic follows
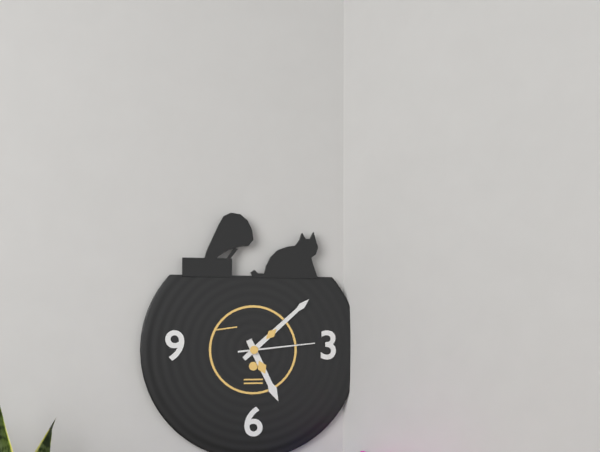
5,08,14
